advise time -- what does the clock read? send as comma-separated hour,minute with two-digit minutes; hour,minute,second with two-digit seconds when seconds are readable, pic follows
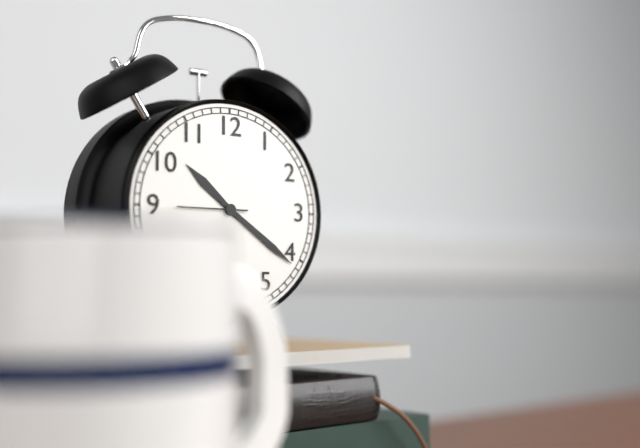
10,21,45
